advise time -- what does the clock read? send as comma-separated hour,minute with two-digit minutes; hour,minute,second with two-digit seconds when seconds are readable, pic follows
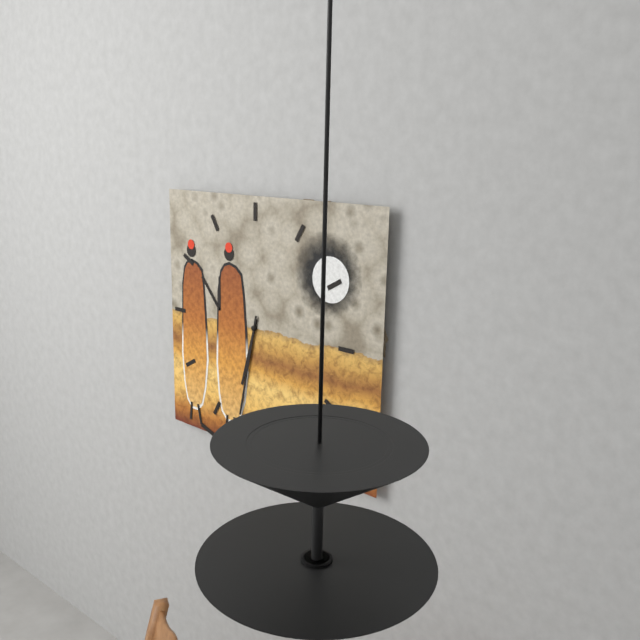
6,32
